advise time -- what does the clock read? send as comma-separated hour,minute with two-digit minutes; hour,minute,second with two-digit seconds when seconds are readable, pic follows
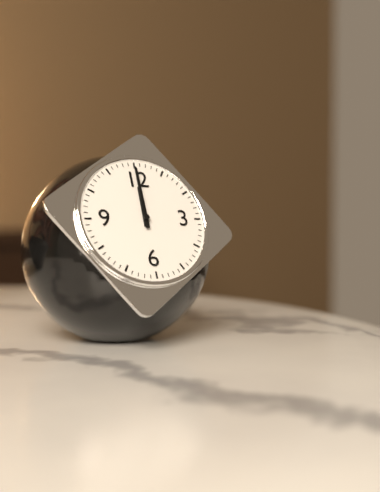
12,00
